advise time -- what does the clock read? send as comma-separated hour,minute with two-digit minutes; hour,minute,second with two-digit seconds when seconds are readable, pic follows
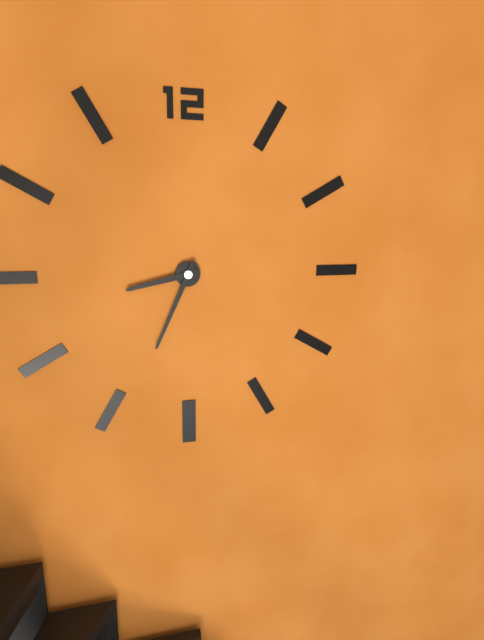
8,34
